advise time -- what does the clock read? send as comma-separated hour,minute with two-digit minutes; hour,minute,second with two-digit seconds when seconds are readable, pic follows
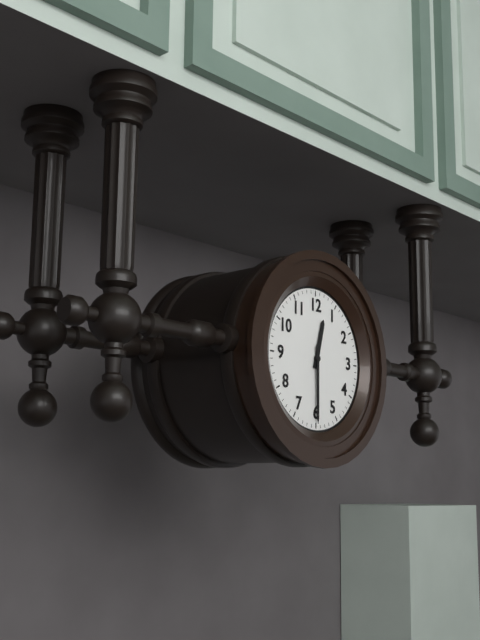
12,30
